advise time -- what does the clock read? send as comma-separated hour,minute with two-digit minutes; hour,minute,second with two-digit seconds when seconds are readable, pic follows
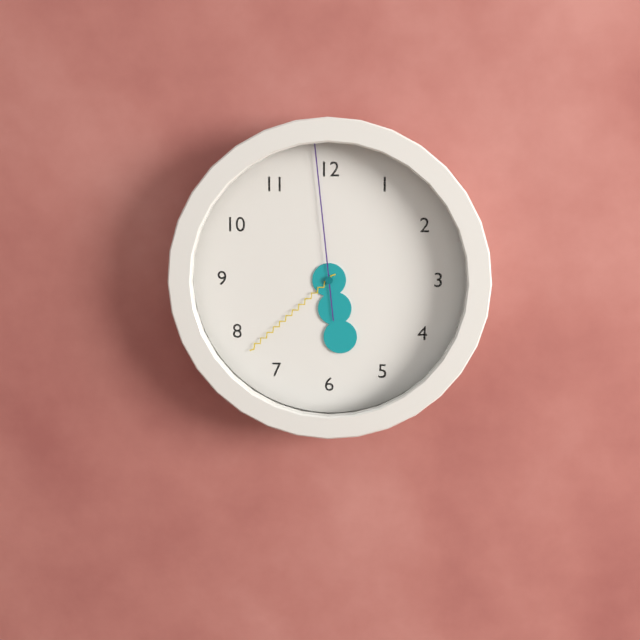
5,38,59
